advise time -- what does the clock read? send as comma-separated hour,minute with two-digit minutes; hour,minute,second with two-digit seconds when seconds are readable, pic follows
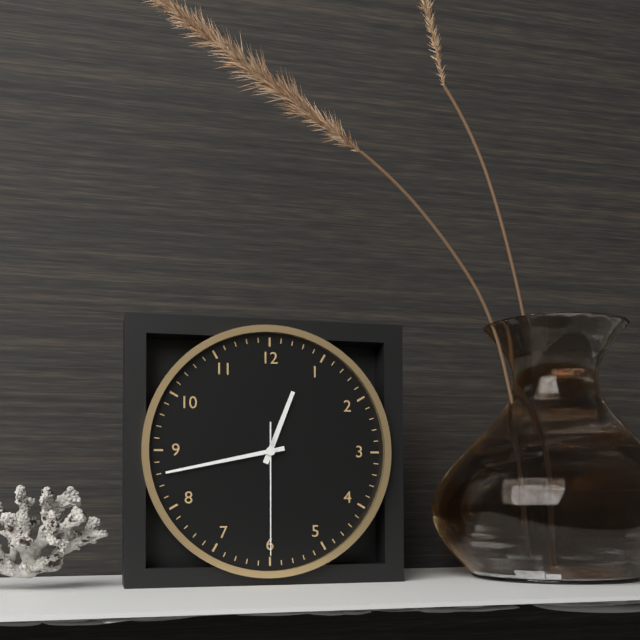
12,43,30
